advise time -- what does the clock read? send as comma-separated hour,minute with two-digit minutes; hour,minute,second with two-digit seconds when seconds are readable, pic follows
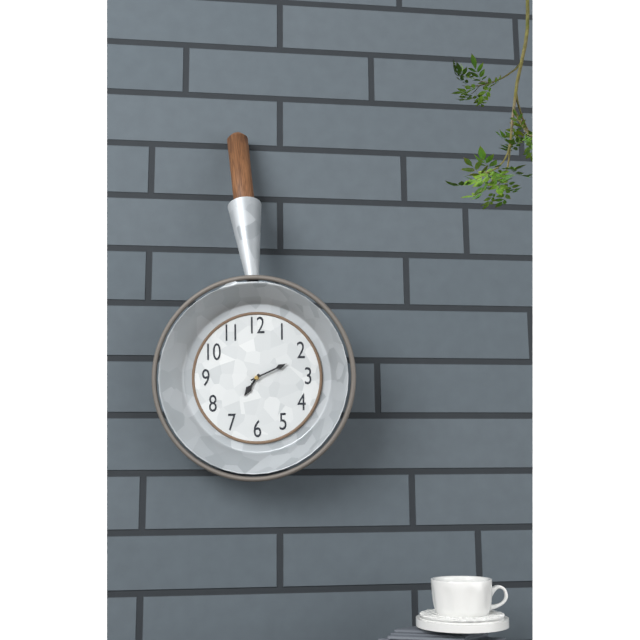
7,11
